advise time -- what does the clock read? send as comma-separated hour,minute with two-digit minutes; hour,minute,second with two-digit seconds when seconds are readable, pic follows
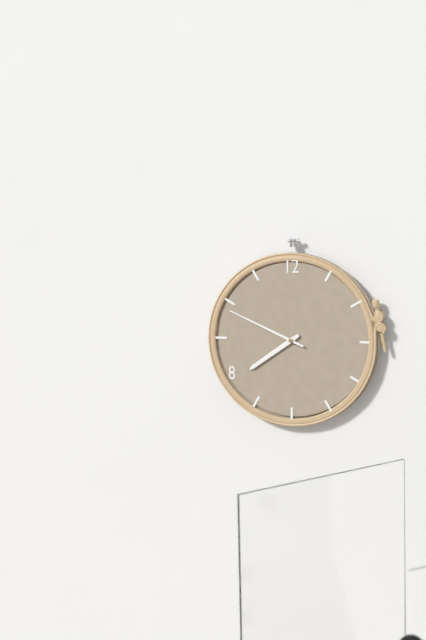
7,49
